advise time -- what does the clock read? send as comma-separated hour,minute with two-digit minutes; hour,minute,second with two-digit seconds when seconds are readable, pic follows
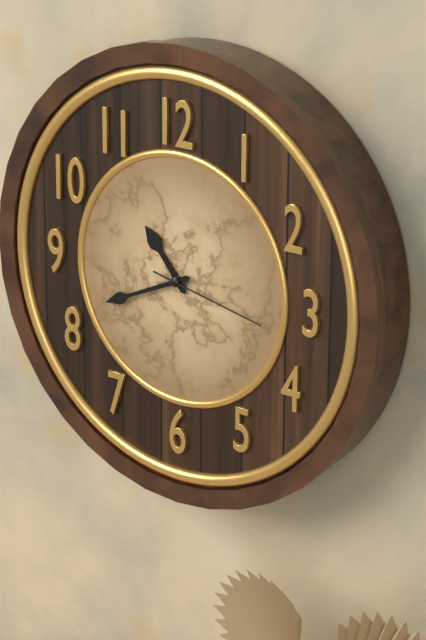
10,41,17
